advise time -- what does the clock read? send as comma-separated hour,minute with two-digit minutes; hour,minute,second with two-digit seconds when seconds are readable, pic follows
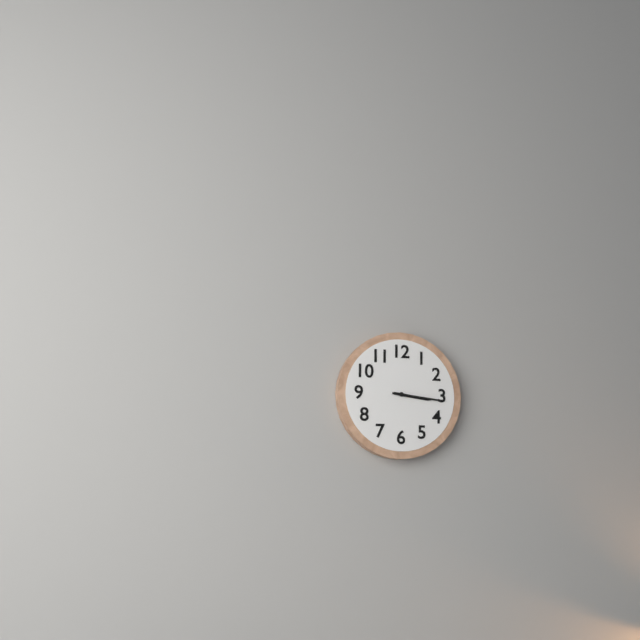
3,16
